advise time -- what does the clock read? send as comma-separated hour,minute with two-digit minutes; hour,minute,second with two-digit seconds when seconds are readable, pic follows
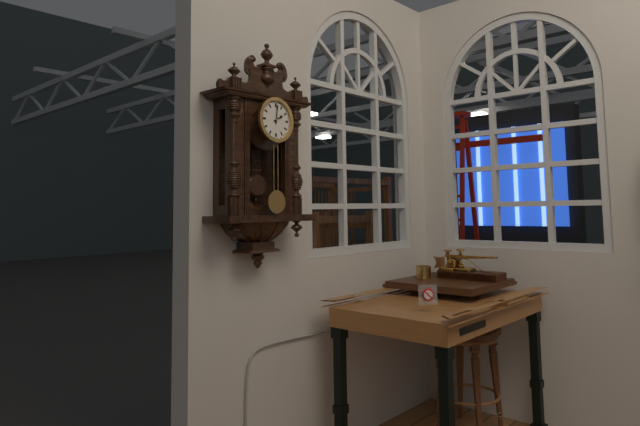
2,01
